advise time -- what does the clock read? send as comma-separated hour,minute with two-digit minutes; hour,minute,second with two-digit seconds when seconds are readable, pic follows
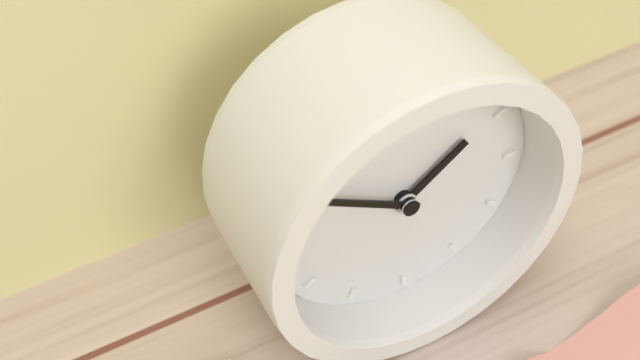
1,50
